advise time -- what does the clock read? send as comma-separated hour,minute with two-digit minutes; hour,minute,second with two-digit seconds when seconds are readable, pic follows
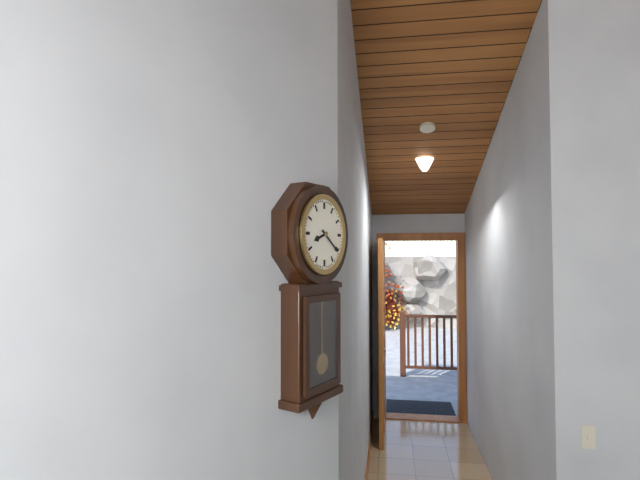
8,21
